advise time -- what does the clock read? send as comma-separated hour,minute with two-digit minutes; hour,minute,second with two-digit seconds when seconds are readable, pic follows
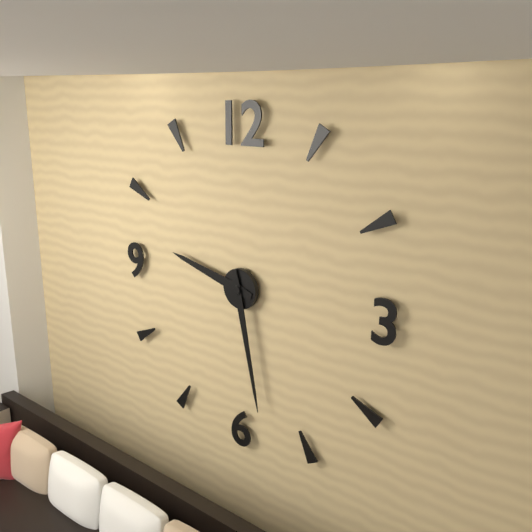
9,28
